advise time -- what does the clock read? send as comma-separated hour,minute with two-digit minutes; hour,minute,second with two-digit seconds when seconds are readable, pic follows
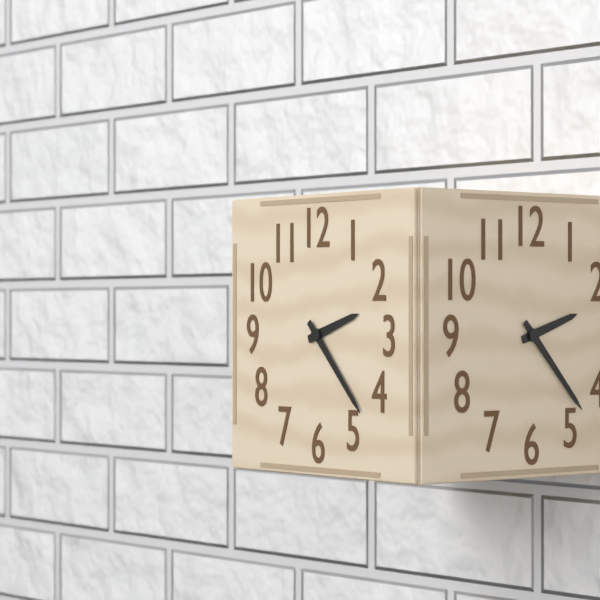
2,23
